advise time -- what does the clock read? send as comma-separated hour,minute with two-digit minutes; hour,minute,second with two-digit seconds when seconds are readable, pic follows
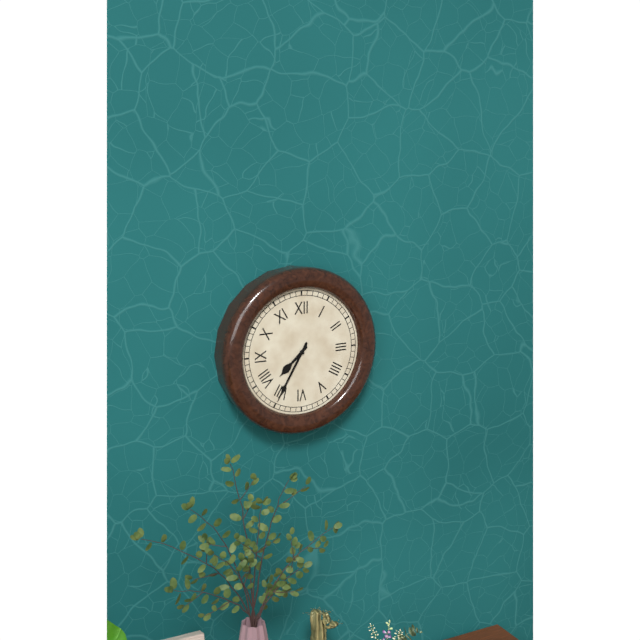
7,35
